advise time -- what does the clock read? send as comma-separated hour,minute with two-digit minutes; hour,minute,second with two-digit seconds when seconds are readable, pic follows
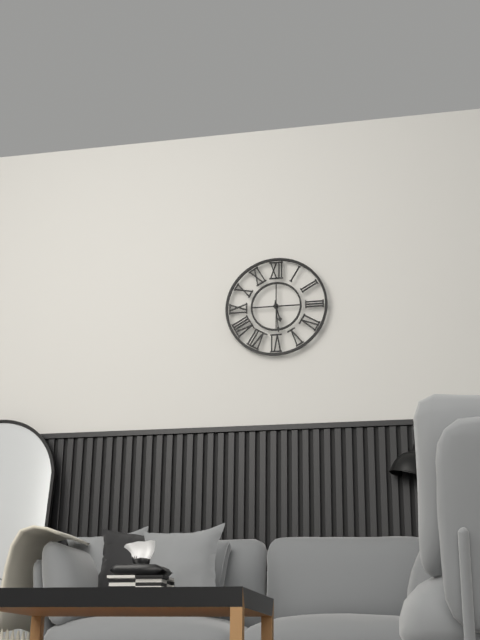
5,29
